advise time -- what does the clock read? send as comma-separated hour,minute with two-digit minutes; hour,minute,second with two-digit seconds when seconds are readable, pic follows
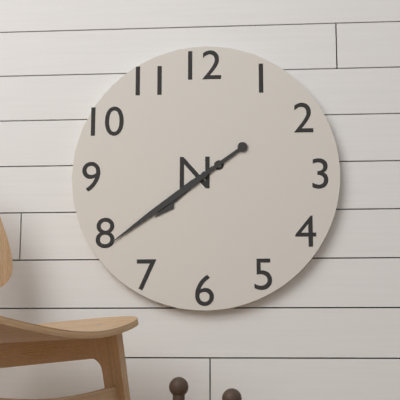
7,39
